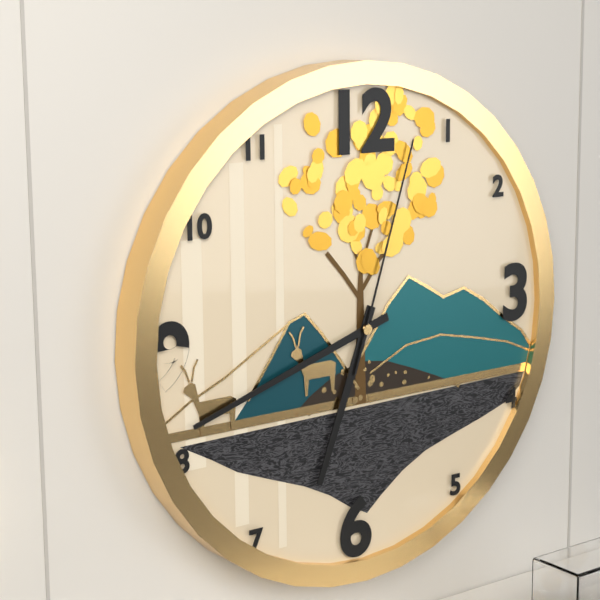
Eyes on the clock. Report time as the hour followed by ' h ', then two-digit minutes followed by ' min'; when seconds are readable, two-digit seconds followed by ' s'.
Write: 6 h 42 min 03 s
